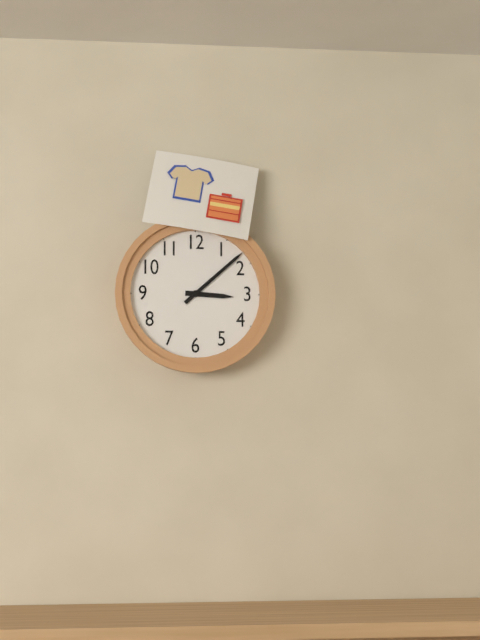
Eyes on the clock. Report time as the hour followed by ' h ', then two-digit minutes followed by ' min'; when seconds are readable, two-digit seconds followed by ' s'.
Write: 3 h 08 min
